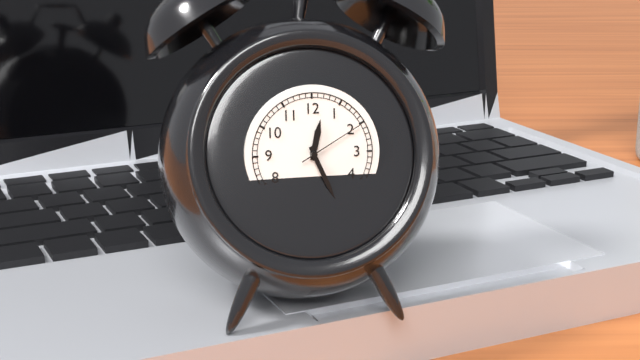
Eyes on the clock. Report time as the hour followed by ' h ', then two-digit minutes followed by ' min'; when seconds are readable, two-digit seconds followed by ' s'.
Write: 12 h 26 min 10 s
